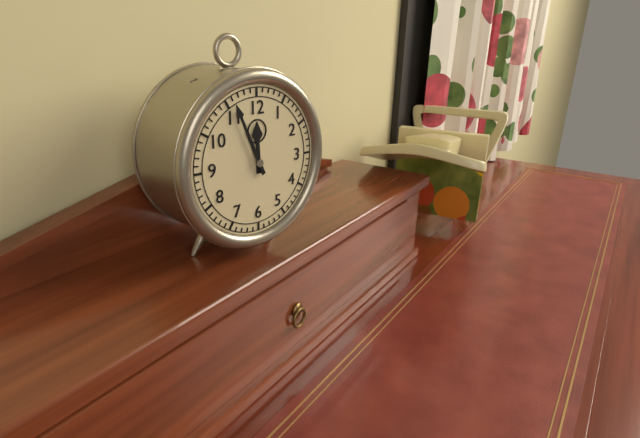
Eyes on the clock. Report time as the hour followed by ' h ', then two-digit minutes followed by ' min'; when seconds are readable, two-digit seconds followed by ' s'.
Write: 11 h 56 min
